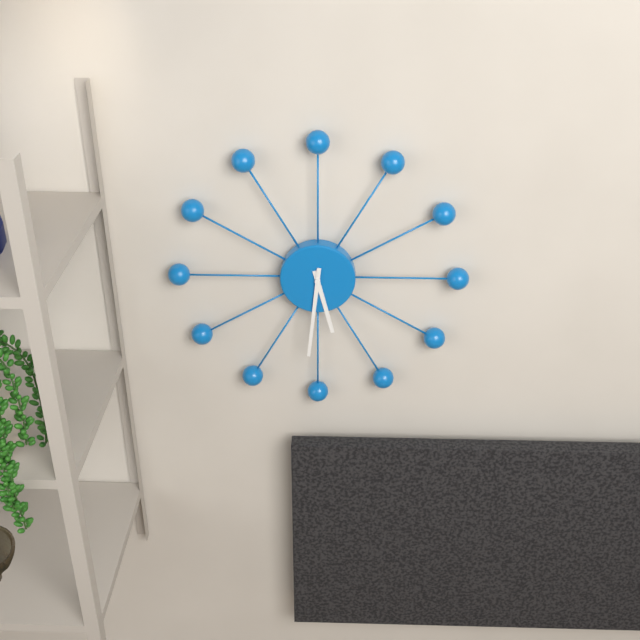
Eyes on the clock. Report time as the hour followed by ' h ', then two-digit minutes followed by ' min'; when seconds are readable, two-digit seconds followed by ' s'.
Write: 5 h 31 min
